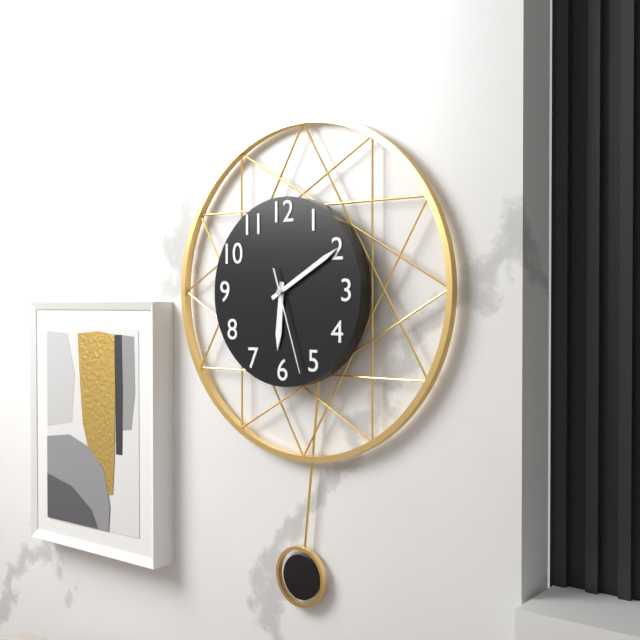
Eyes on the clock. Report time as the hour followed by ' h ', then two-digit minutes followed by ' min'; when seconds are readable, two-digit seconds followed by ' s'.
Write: 6 h 10 min 27 s
